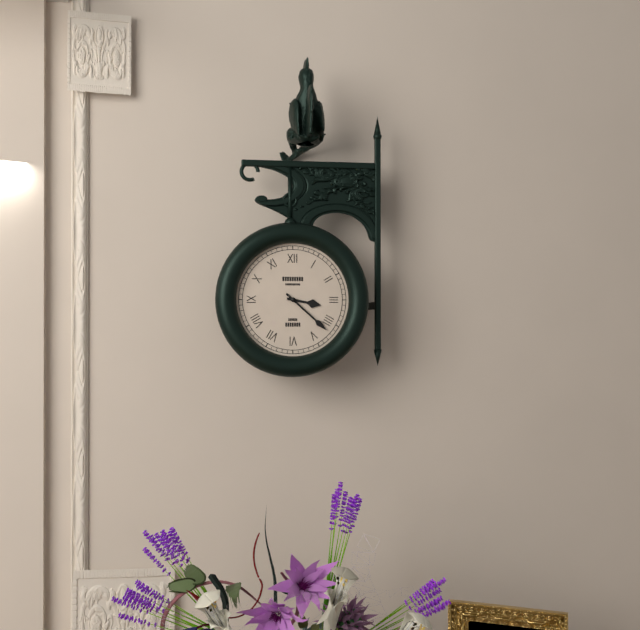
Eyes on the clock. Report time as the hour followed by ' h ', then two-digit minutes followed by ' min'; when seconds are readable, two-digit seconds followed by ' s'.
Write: 3 h 22 min
